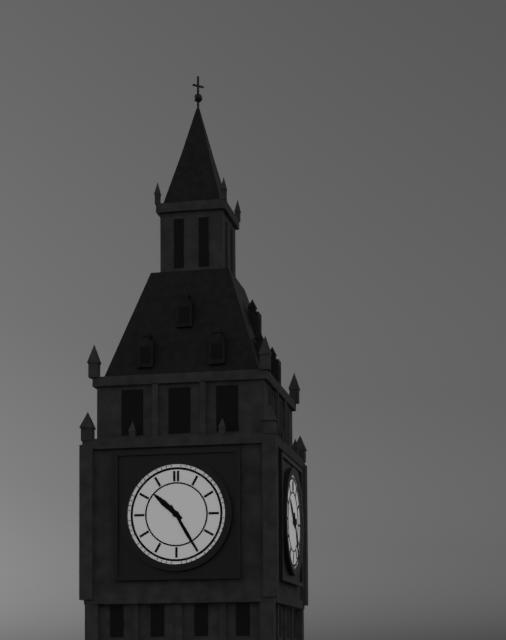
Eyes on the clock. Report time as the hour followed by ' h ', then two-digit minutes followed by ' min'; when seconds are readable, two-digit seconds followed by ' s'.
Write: 10 h 25 min
